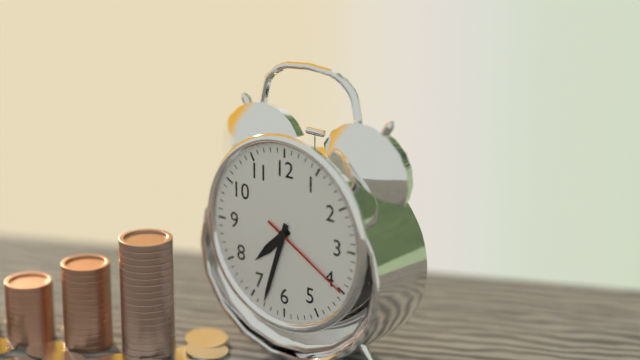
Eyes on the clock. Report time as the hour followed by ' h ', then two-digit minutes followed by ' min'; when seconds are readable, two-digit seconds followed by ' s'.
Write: 7 h 33 min 20 s
